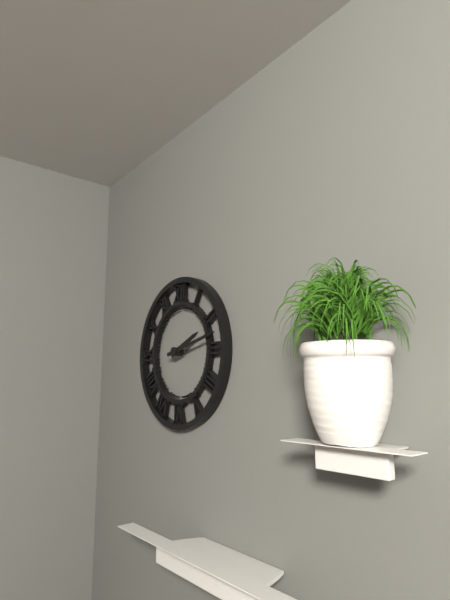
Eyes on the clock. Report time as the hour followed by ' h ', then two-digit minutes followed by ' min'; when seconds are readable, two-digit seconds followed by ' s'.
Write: 2 h 13 min
